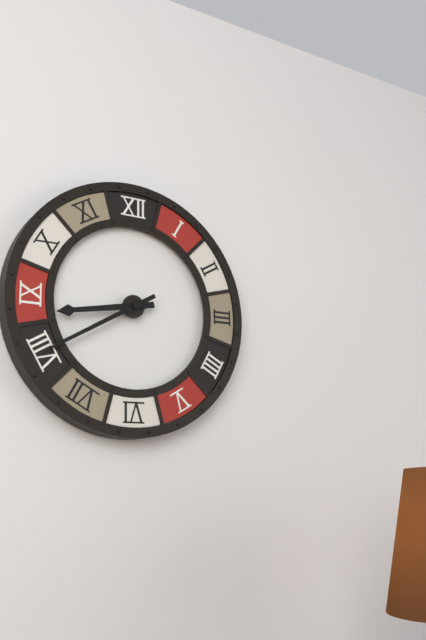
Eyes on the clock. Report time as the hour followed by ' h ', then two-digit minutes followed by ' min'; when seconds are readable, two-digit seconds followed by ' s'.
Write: 8 h 40 min
